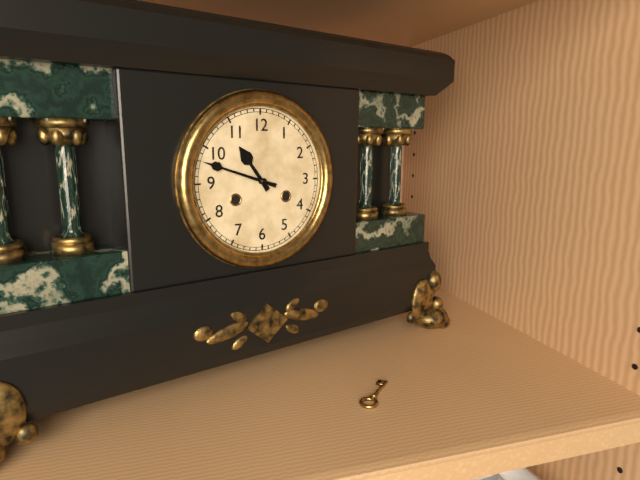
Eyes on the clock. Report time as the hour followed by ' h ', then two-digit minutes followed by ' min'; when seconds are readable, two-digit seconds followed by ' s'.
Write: 10 h 48 min
